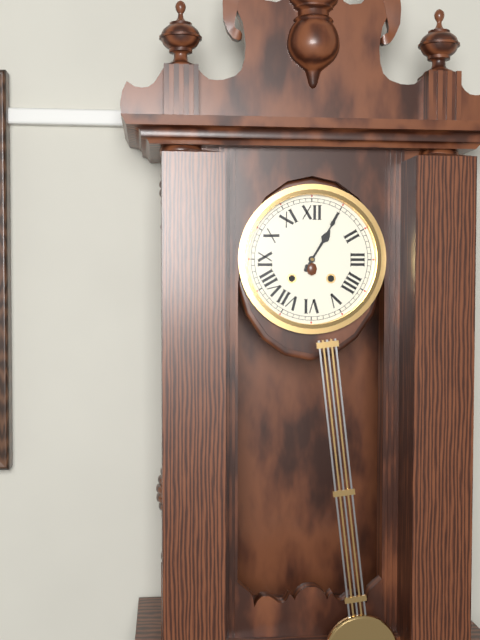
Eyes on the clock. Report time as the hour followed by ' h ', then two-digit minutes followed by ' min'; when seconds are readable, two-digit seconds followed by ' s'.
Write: 1 h 05 min
